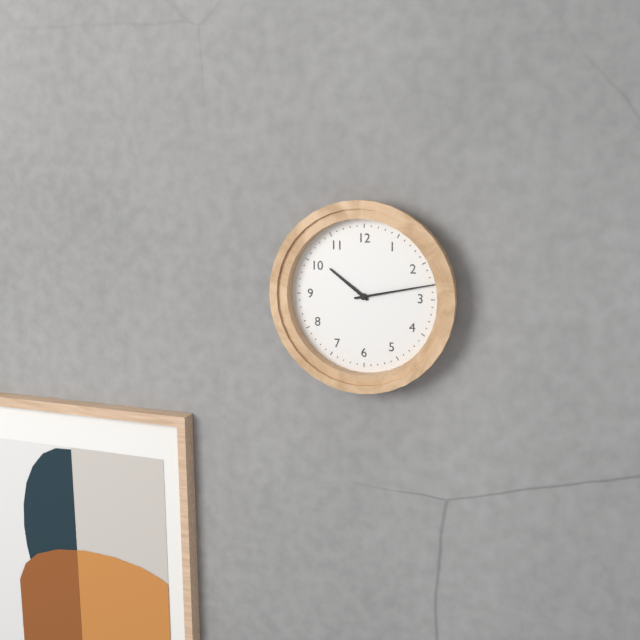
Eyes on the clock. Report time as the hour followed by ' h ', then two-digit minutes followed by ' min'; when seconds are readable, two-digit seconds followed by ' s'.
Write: 10 h 13 min
